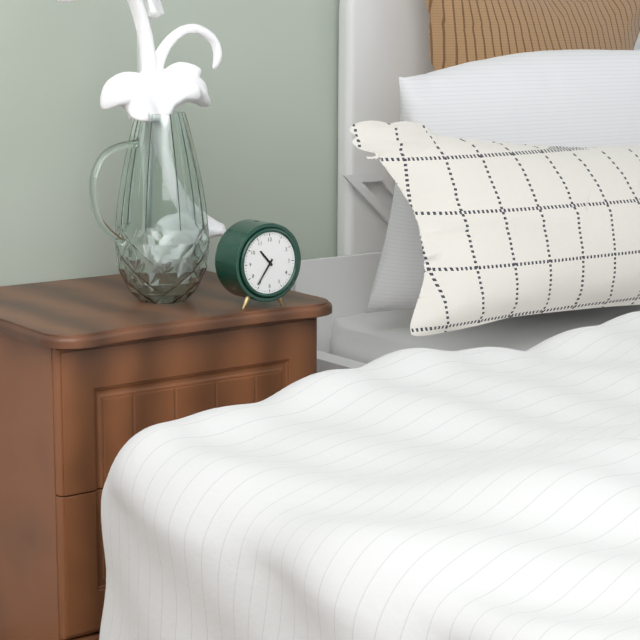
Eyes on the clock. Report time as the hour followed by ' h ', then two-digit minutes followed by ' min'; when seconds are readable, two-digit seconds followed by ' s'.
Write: 10 h 36 min
